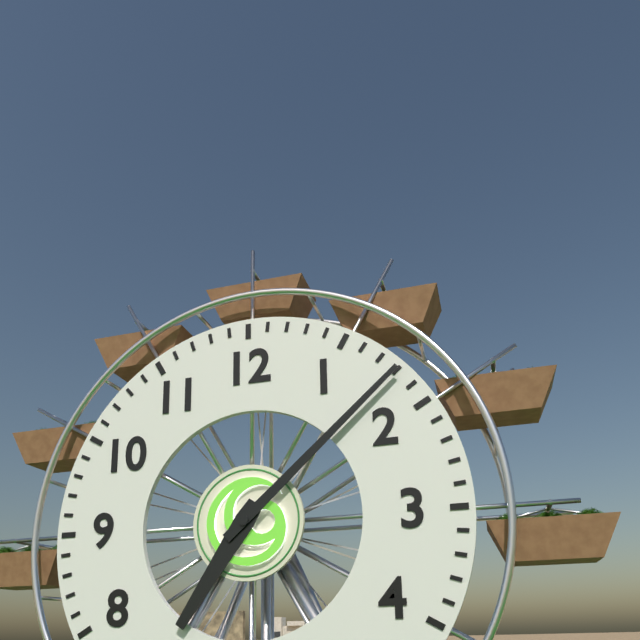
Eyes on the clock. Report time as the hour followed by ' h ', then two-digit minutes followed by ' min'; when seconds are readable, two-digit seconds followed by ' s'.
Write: 7 h 08 min
